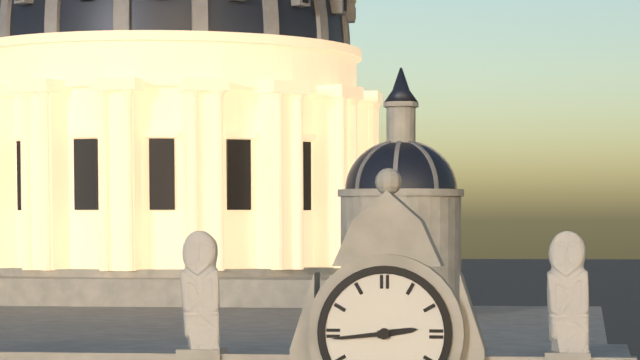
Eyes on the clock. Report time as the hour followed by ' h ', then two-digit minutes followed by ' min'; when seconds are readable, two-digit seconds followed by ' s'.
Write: 2 h 44 min
